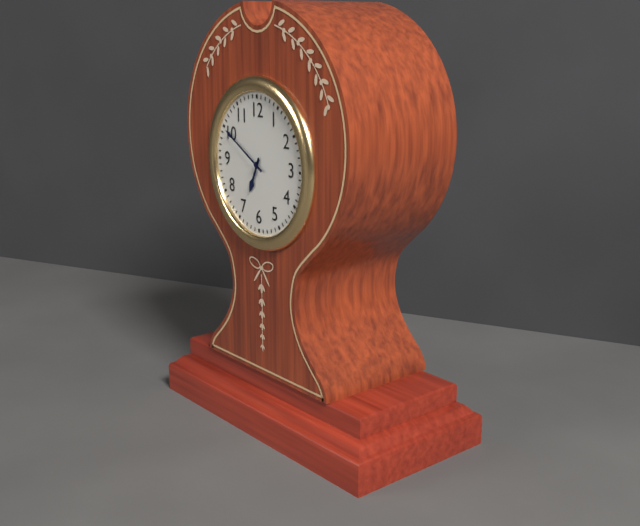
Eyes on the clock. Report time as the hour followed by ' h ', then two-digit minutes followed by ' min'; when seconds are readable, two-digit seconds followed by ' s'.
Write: 6 h 50 min
